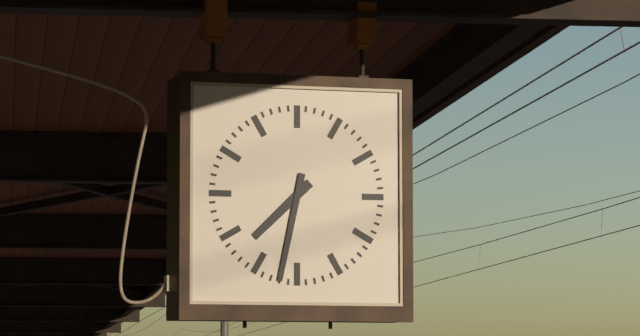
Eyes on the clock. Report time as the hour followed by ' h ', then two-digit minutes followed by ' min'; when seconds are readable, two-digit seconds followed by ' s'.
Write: 7 h 32 min
